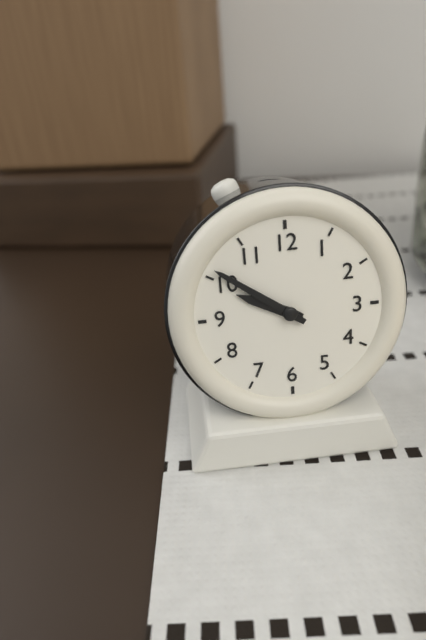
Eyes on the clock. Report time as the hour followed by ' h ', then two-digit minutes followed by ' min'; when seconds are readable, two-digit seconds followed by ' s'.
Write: 9 h 51 min
